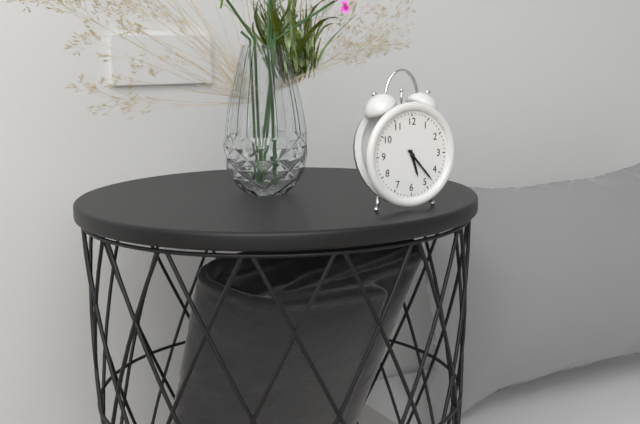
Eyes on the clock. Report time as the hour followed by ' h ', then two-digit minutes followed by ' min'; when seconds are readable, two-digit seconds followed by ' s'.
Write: 5 h 23 min
